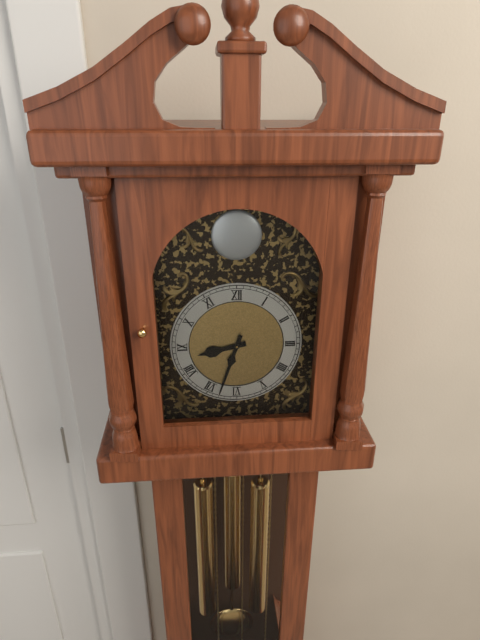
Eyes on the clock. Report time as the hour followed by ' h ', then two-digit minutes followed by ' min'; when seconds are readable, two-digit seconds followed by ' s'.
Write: 8 h 33 min
